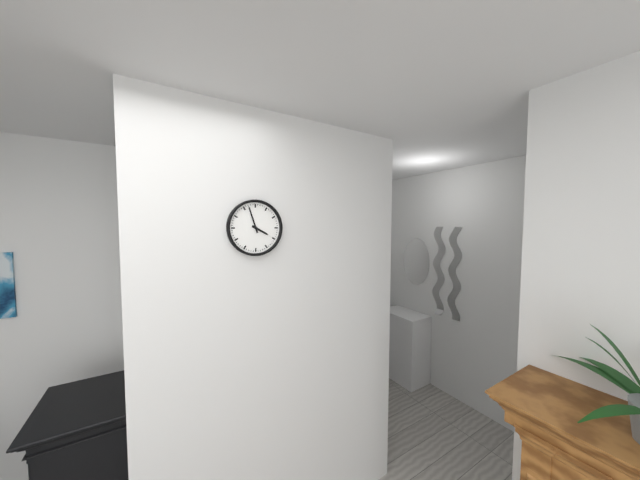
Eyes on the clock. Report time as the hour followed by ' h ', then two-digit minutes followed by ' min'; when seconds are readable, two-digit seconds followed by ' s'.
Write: 3 h 57 min
